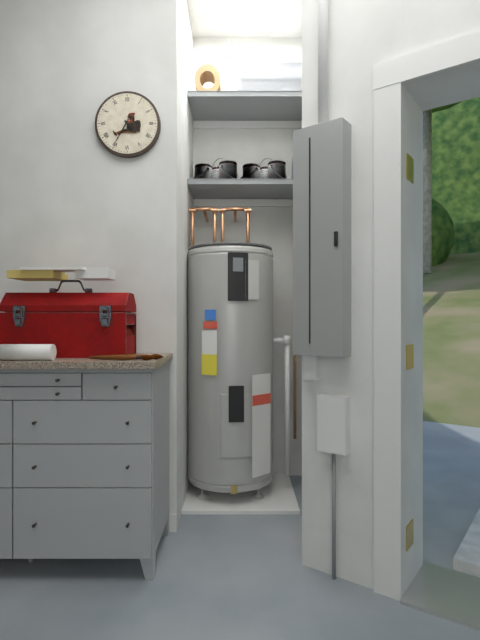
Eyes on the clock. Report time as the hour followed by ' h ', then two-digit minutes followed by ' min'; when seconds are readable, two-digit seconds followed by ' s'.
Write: 4 h 35 min
